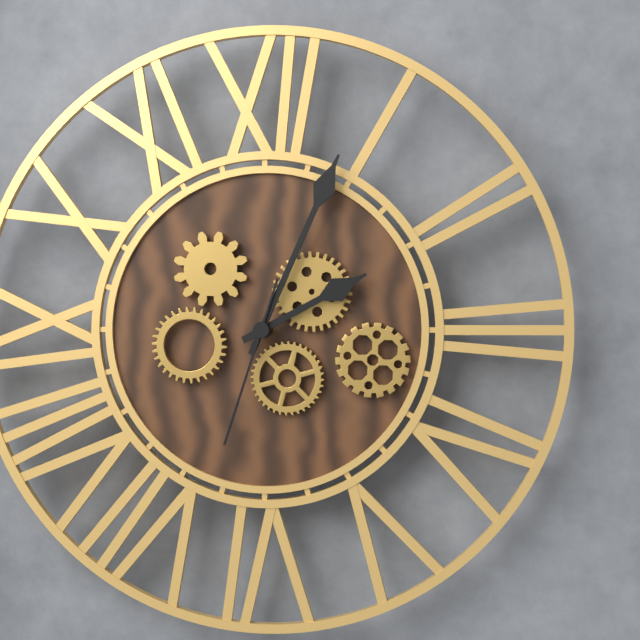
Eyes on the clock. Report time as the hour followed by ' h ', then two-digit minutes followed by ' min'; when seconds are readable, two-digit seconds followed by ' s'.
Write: 2 h 04 min 33 s
